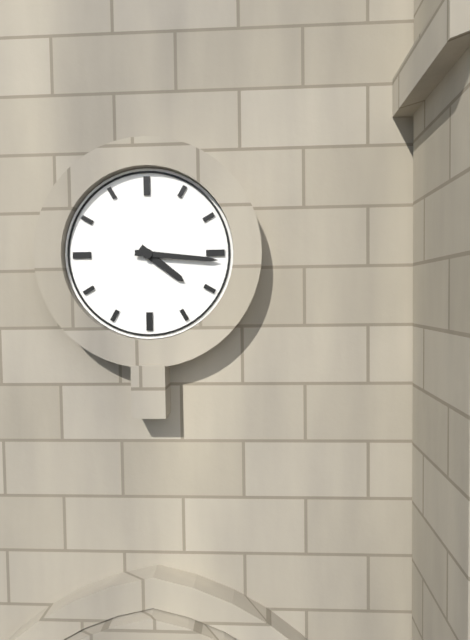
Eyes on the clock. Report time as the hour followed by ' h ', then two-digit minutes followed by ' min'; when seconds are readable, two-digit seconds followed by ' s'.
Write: 4 h 16 min
